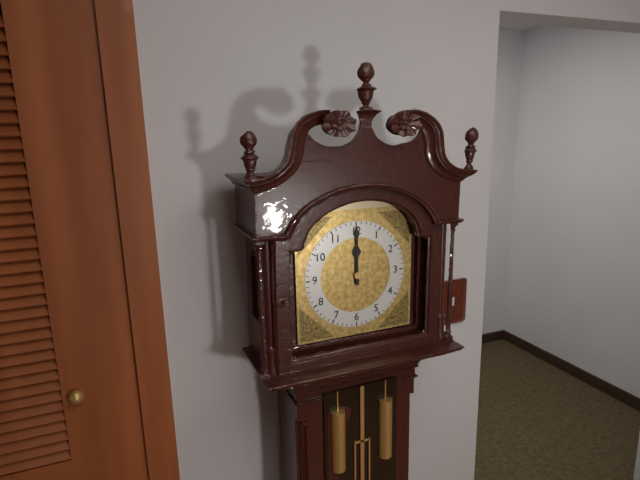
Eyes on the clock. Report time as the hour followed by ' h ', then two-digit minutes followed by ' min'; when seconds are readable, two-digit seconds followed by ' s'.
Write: 12 h 00 min
